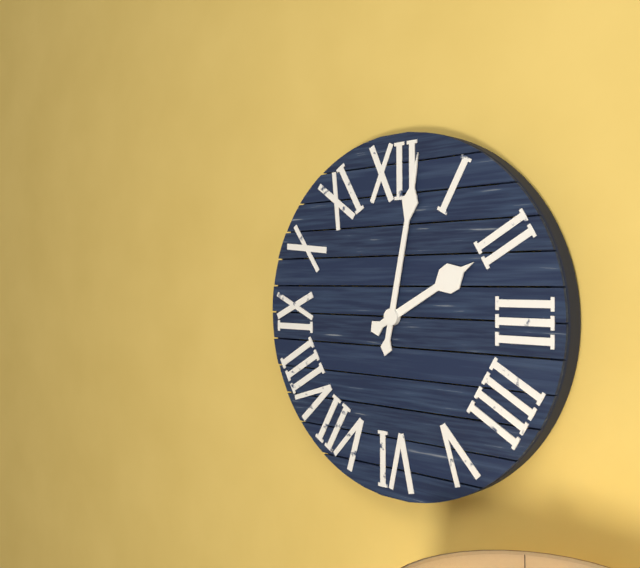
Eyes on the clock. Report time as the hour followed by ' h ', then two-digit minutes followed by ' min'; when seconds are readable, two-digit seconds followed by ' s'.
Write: 2 h 02 min
